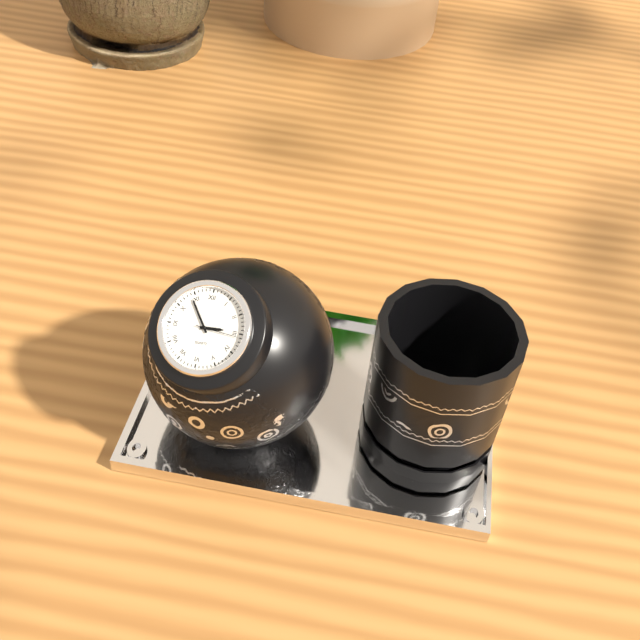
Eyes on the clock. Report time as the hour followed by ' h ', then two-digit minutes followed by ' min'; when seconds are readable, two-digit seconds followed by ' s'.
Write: 2 h 54 min
